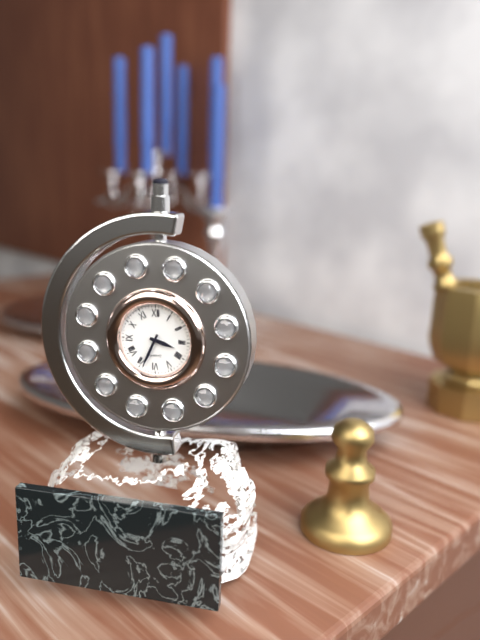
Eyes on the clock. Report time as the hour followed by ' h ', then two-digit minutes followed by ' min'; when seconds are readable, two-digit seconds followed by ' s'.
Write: 3 h 34 min
